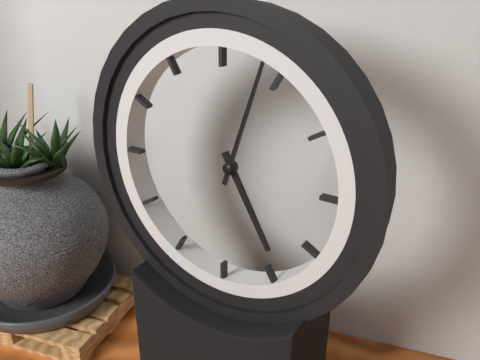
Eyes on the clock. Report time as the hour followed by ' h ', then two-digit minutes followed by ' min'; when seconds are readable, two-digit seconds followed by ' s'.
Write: 5 h 03 min
